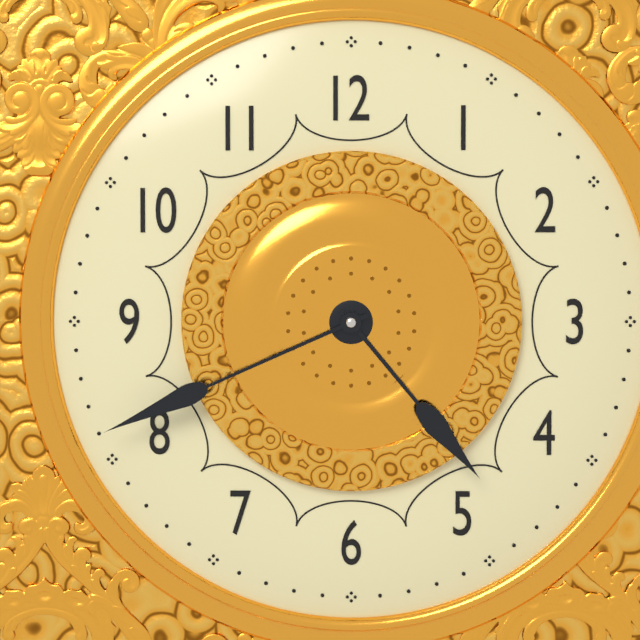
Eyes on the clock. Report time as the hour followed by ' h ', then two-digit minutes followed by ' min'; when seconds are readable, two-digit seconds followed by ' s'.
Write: 4 h 41 min
